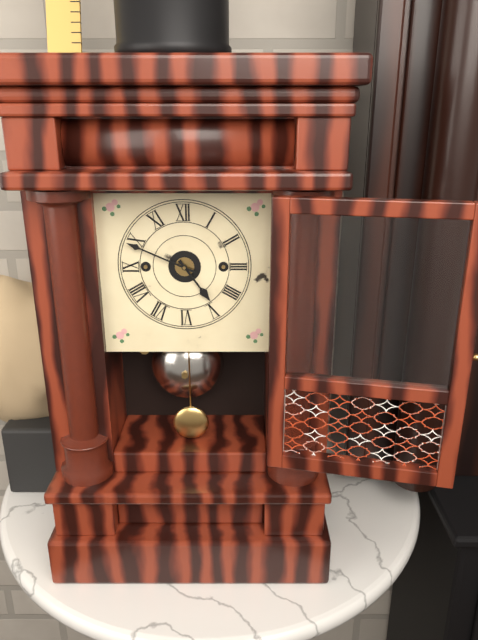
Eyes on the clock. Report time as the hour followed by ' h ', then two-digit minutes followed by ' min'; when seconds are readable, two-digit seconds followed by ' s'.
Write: 4 h 49 min
